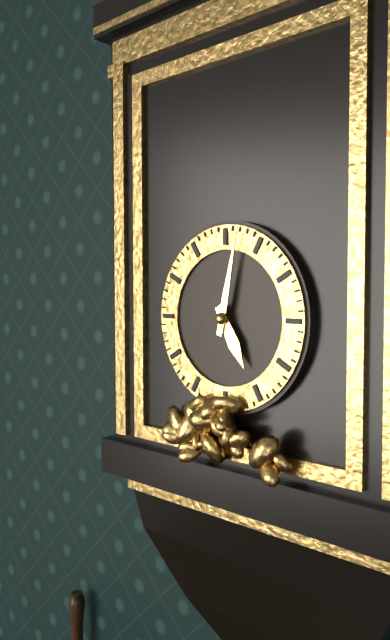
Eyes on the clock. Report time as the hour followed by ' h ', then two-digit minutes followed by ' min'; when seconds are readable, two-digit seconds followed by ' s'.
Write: 5 h 02 min
